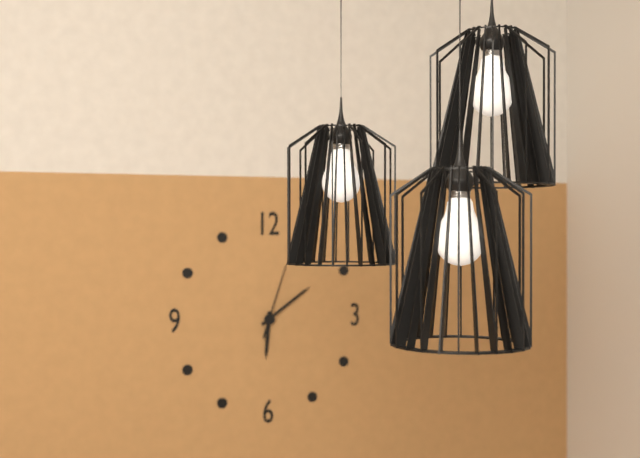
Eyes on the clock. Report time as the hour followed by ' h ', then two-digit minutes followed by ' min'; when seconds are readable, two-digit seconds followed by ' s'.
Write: 6 h 09 min 03 s
